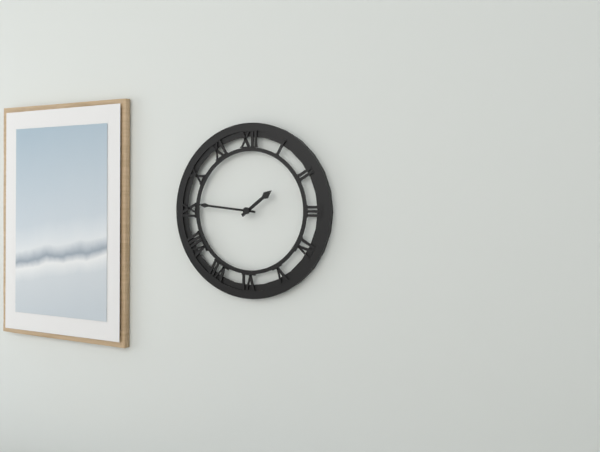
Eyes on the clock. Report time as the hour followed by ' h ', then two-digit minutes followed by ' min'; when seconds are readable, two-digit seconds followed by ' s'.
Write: 1 h 46 min
